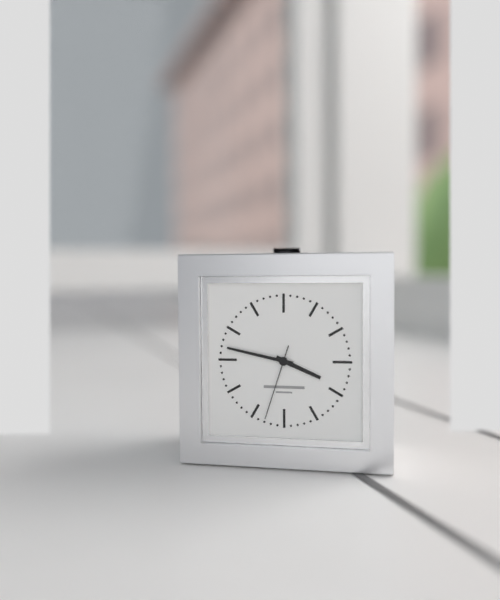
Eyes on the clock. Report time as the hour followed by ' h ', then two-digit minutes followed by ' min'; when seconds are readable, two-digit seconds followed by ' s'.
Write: 3 h 47 min 33 s
